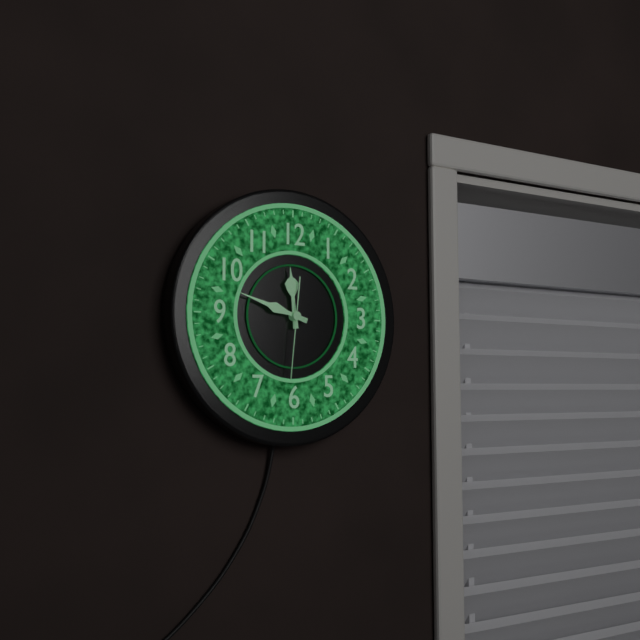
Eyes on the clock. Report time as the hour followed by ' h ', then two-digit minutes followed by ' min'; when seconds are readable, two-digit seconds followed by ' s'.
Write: 11 h 48 min 31 s
